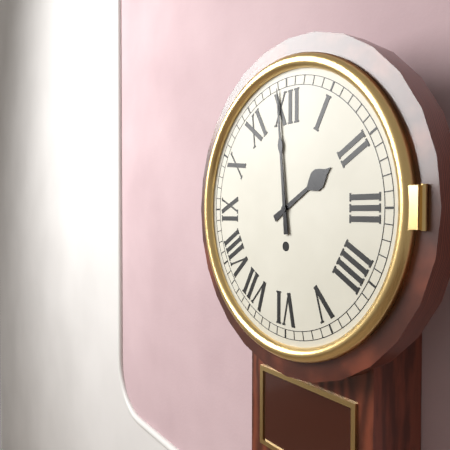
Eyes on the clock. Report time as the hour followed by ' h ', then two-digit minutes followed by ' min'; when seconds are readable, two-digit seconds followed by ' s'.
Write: 1 h 59 min
